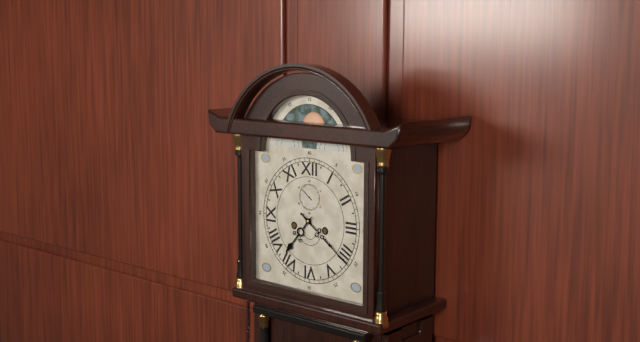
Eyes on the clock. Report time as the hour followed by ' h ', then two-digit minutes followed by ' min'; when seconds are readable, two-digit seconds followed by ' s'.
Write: 7 h 21 min
